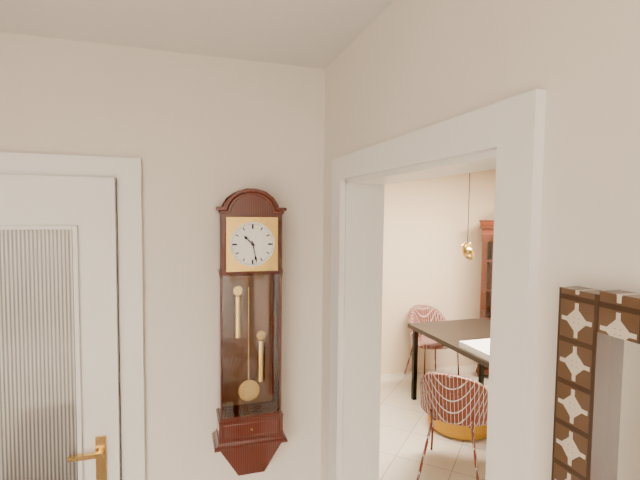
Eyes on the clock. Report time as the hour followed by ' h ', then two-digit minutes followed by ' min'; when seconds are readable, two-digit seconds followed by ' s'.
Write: 10 h 28 min
